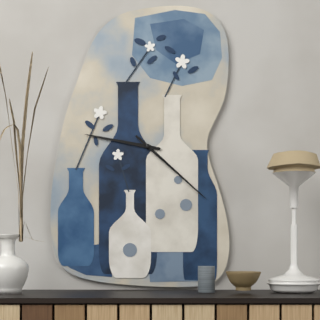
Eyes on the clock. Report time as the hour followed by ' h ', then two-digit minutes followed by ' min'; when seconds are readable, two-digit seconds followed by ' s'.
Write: 9 h 22 min
